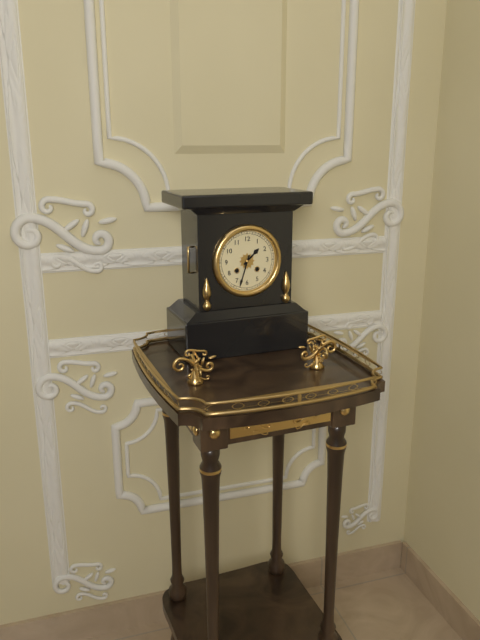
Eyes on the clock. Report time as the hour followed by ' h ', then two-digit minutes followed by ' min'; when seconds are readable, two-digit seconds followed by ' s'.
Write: 1 h 33 min
